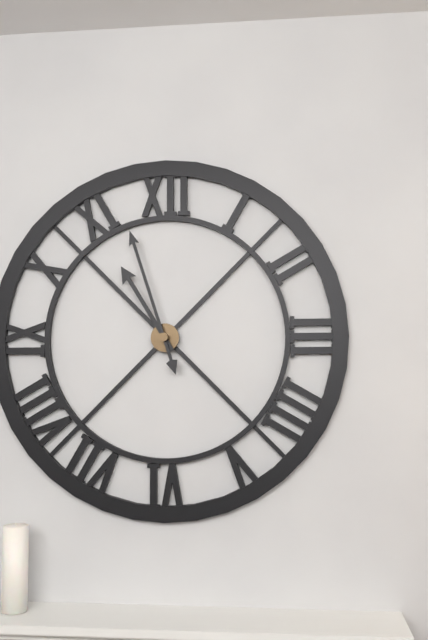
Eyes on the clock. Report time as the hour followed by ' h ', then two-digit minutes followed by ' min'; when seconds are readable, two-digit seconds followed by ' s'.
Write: 10 h 57 min
